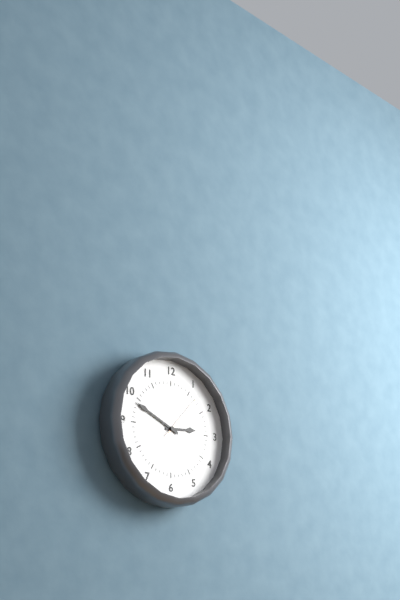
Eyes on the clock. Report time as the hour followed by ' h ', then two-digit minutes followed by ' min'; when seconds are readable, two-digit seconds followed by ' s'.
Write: 2 h 49 min 07 s
